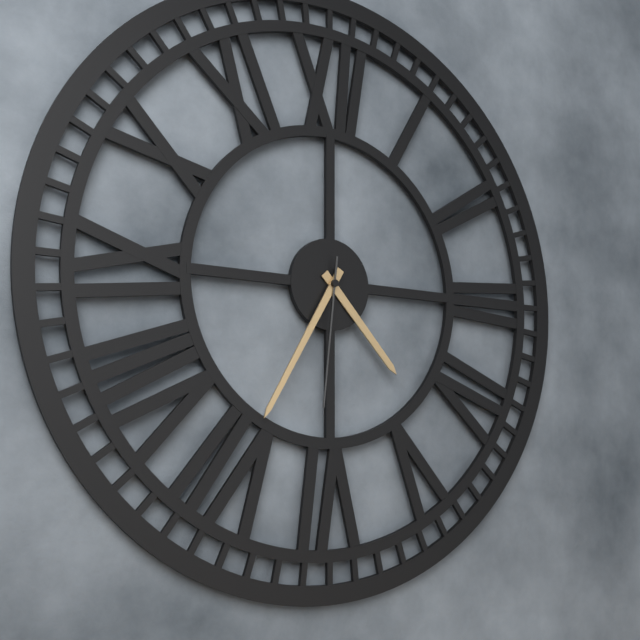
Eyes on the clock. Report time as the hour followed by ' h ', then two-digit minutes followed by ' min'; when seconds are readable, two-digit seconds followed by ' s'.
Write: 4 h 35 min 31 s
